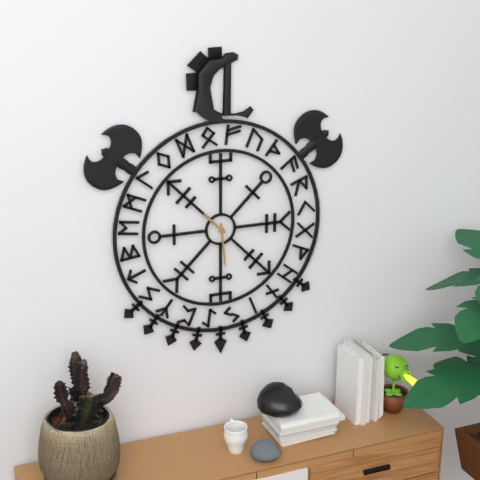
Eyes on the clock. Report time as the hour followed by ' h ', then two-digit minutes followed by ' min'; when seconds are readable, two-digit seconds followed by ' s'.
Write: 10 h 29 min
